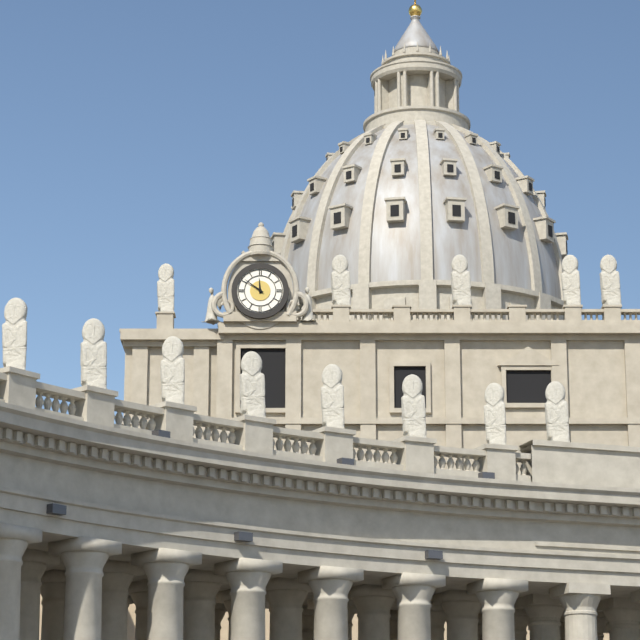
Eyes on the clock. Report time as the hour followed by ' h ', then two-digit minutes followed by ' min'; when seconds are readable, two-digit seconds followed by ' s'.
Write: 11 h 51 min
